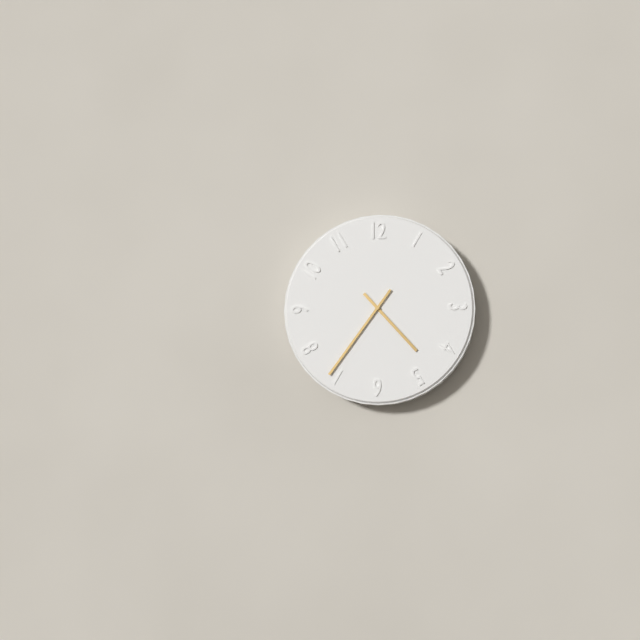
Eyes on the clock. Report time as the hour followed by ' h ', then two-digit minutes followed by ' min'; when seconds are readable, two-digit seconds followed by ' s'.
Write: 4 h 36 min
